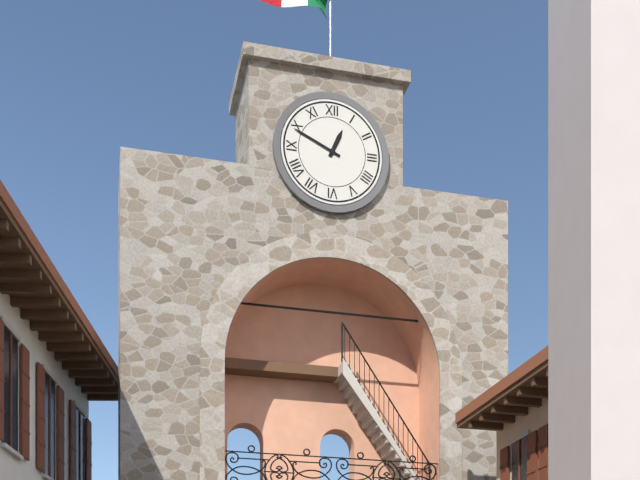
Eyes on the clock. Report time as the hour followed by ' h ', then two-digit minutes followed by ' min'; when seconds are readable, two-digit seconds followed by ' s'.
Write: 12 h 49 min
